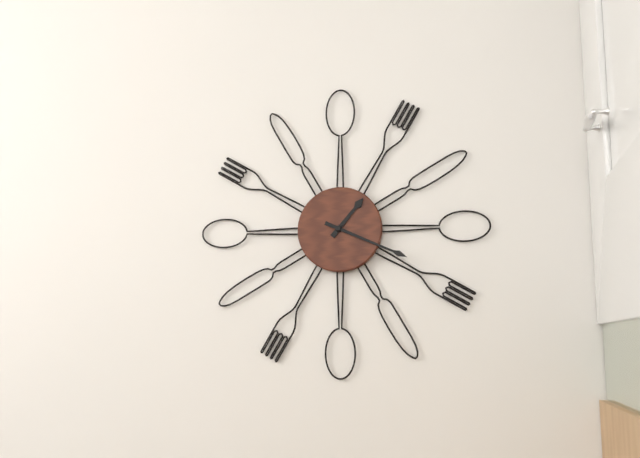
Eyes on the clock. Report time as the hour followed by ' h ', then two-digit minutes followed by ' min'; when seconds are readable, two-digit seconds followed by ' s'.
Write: 1 h 19 min
